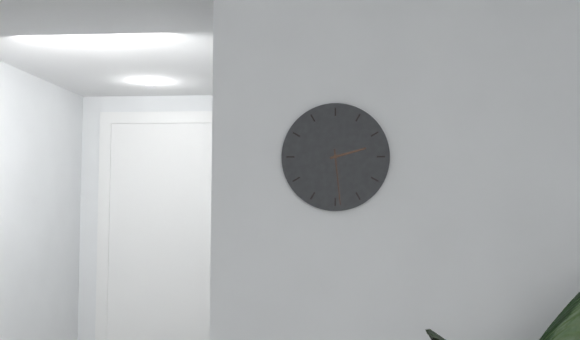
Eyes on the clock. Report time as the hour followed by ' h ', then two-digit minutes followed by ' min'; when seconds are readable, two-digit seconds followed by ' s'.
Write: 2 h 29 min
